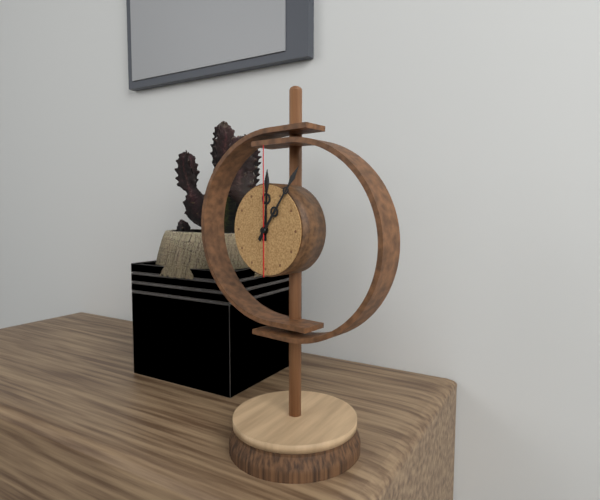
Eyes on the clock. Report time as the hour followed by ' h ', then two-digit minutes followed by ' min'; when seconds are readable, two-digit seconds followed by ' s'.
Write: 12 h 06 min 00 s
